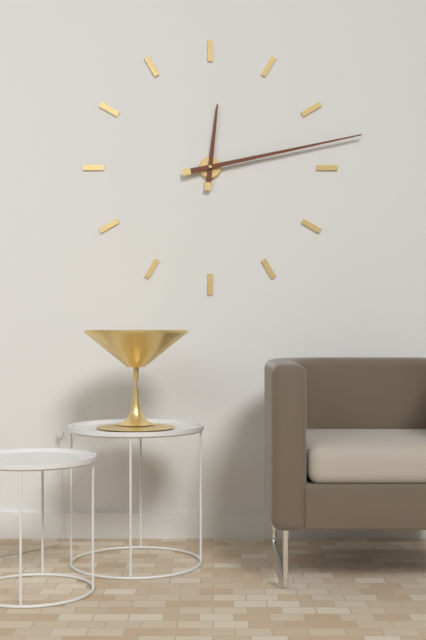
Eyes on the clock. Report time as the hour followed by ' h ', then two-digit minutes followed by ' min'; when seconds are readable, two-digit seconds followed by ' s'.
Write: 12 h 13 min
